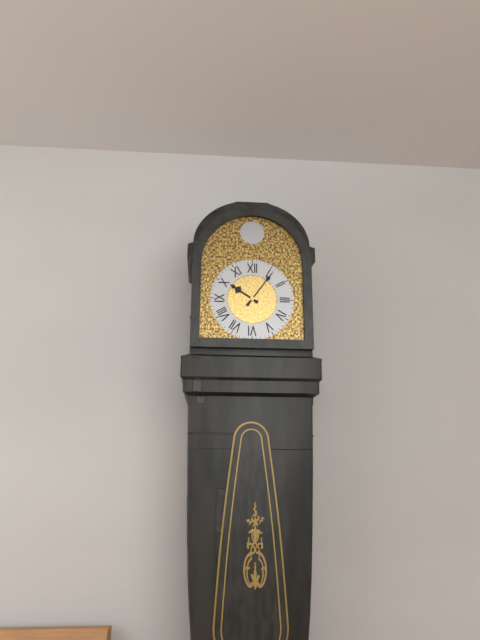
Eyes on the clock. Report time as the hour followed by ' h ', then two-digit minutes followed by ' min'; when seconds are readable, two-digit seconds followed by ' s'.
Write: 10 h 06 min
